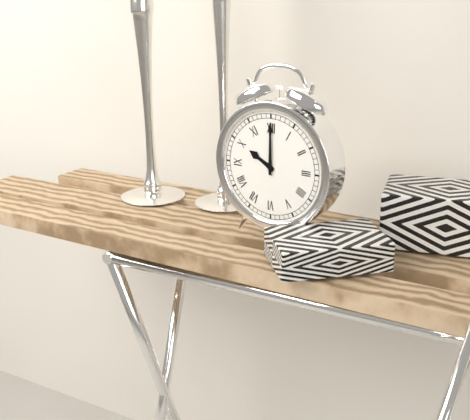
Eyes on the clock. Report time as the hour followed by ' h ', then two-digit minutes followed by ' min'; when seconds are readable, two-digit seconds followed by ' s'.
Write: 10 h 00 min
